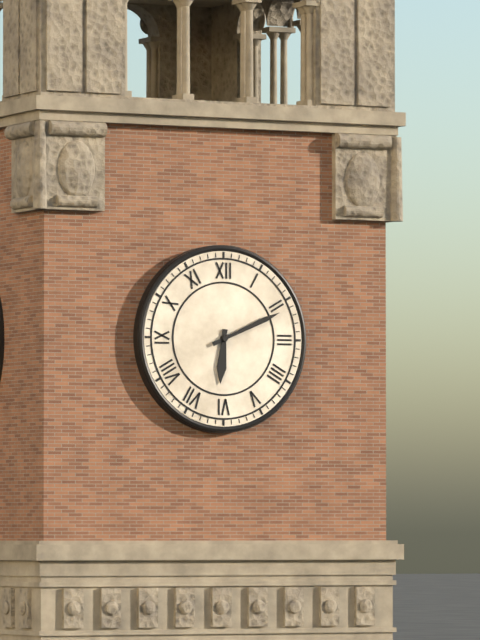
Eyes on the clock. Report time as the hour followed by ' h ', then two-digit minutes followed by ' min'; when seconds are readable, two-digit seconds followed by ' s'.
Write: 6 h 11 min
